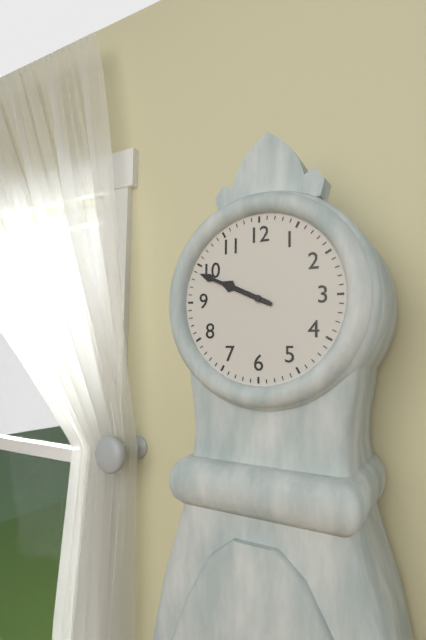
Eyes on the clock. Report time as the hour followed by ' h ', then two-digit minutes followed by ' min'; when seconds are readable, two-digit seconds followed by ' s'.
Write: 9 h 49 min
